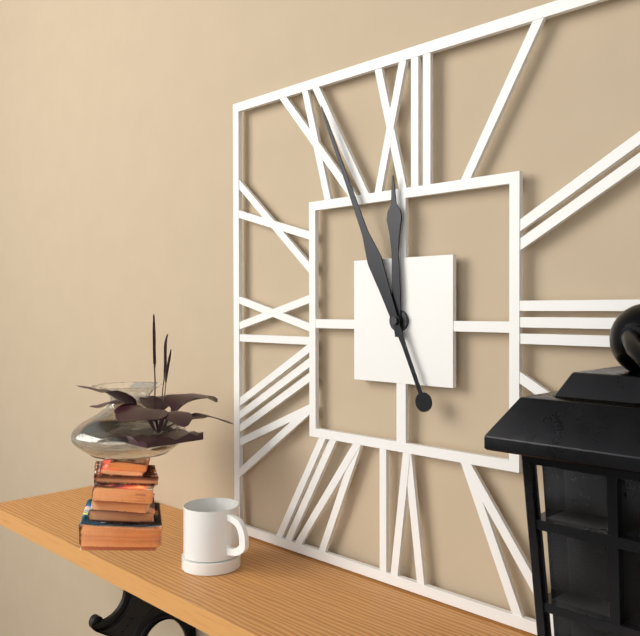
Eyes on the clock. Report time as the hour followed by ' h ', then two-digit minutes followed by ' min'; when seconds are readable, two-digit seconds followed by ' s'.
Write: 11 h 56 min
